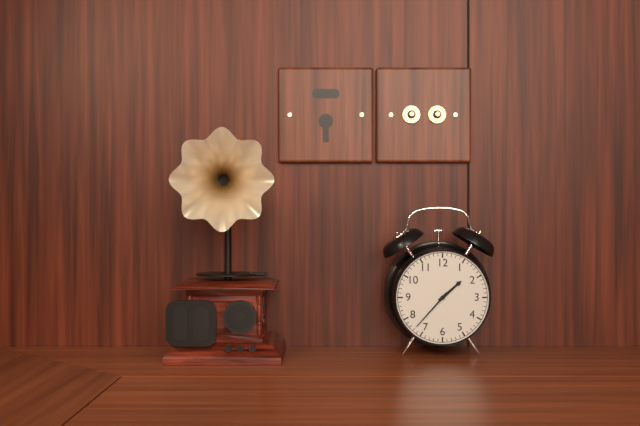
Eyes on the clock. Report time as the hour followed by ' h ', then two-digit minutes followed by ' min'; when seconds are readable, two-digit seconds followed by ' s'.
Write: 1 h 37 min
